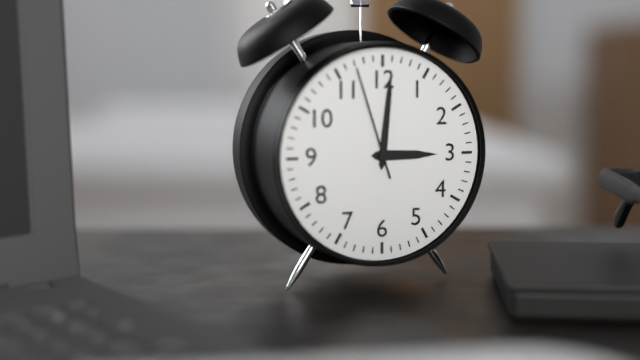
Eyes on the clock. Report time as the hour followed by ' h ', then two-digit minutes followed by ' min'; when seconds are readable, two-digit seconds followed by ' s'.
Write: 3 h 01 min 57 s
